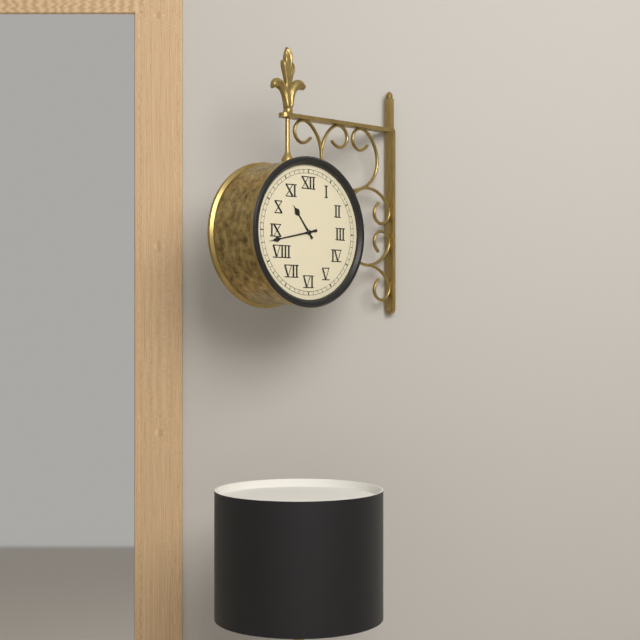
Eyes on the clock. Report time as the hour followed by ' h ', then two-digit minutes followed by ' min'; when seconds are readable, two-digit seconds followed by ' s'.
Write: 10 h 43 min
